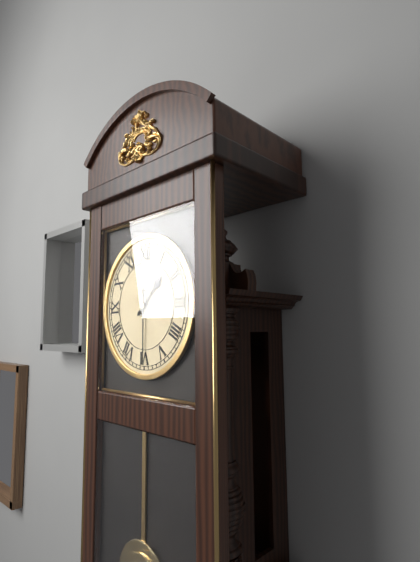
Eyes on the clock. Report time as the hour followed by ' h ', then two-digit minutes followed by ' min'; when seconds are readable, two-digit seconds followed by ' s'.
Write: 1 h 30 min
